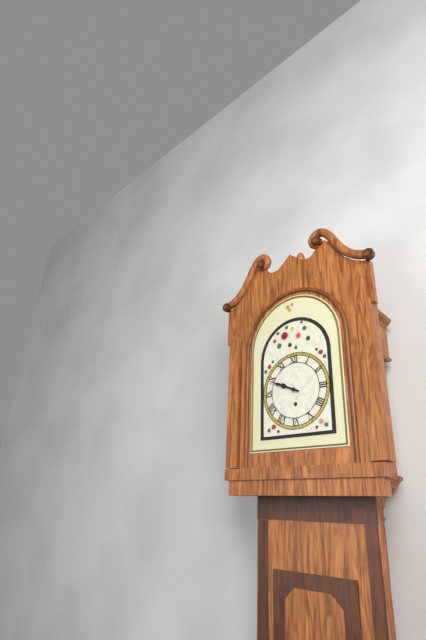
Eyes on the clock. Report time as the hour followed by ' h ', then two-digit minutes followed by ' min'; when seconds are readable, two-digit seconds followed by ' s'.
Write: 9 h 49 min
